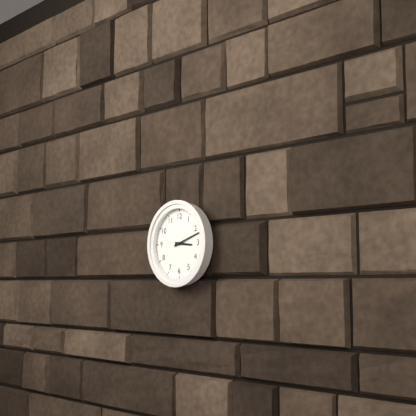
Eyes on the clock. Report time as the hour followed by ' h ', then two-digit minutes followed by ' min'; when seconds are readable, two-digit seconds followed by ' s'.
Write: 3 h 12 min
